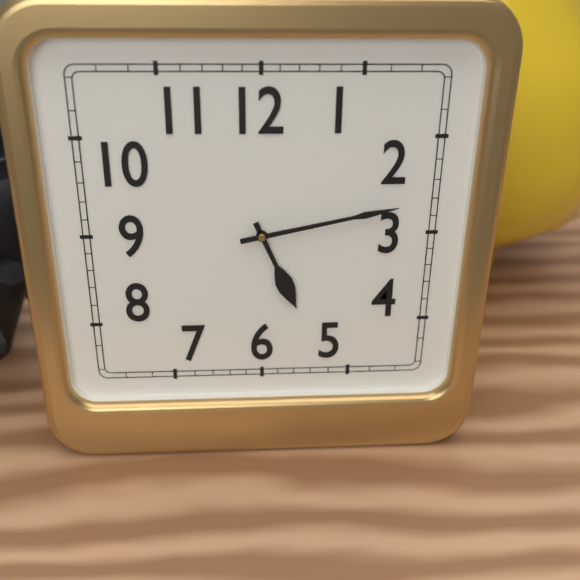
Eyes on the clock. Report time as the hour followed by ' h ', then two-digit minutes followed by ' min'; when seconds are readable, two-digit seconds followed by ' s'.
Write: 5 h 13 min
